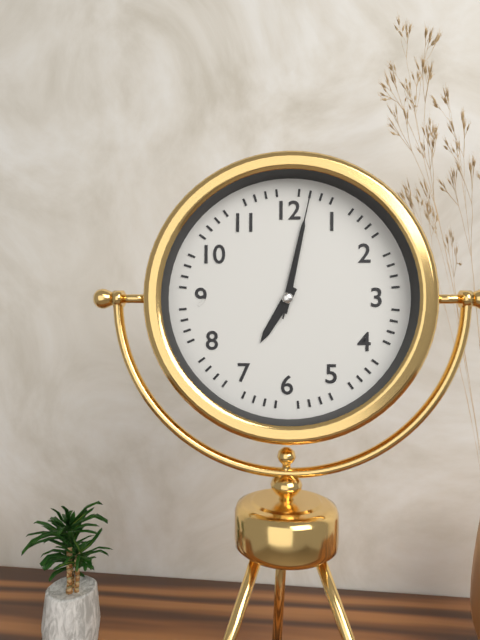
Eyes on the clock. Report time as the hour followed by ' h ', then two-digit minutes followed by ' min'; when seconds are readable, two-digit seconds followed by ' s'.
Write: 7 h 02 min 02 s
